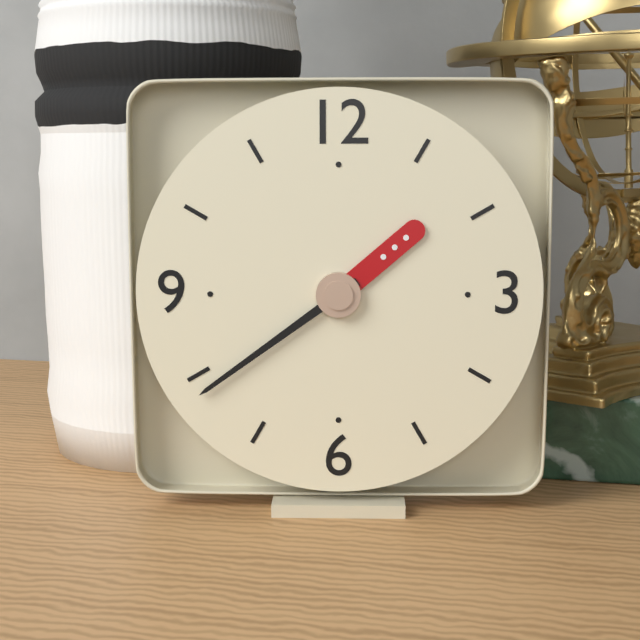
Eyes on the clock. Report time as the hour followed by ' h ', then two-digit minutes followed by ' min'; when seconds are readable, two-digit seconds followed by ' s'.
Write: 1 h 39 min
